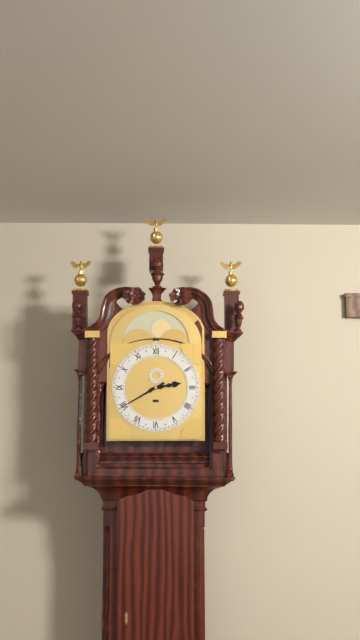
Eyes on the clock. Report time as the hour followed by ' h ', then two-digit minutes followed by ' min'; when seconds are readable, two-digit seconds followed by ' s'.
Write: 2 h 40 min
